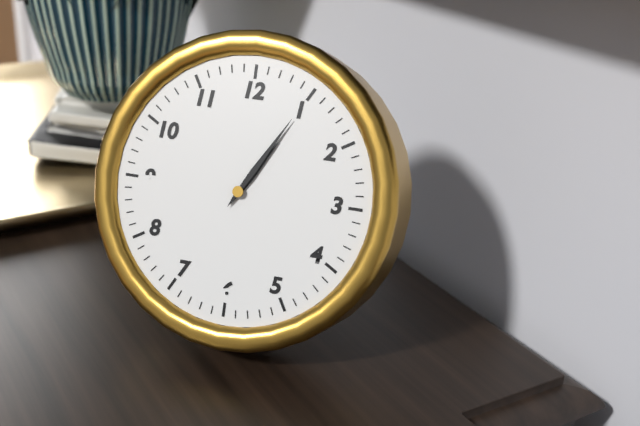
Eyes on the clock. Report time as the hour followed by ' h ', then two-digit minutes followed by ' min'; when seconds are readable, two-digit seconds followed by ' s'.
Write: 1 h 05 min
